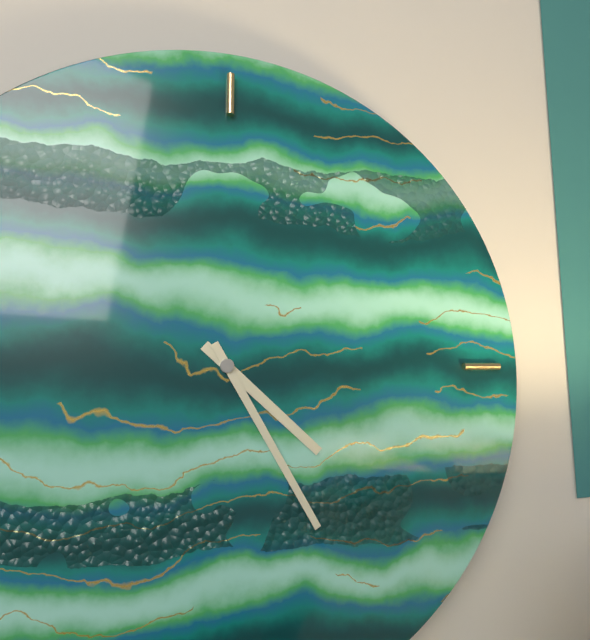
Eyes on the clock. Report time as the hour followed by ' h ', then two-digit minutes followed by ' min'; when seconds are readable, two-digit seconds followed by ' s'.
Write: 4 h 25 min
